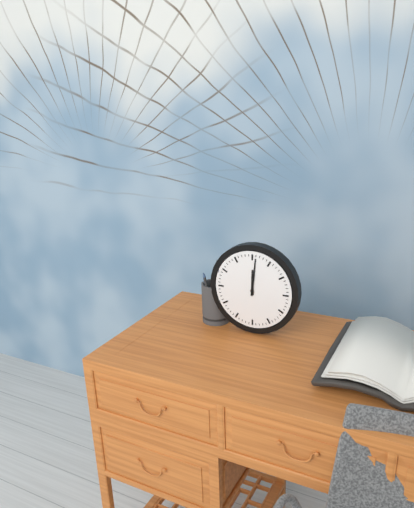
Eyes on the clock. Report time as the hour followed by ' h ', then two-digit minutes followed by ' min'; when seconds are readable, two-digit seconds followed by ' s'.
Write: 12 h 01 min
